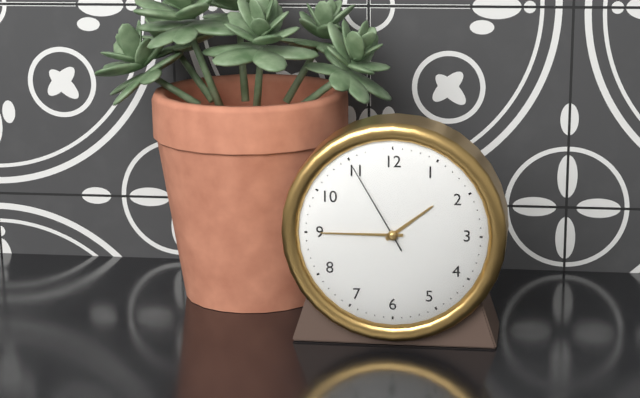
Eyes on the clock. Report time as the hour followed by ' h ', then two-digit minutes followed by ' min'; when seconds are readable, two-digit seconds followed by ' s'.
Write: 1 h 45 min 55 s
